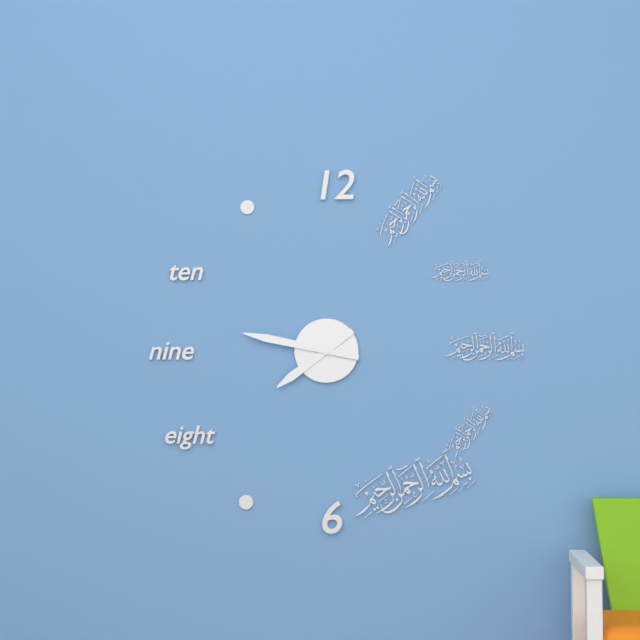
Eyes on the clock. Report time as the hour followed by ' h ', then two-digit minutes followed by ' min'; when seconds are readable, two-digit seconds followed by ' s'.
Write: 7 h 47 min
